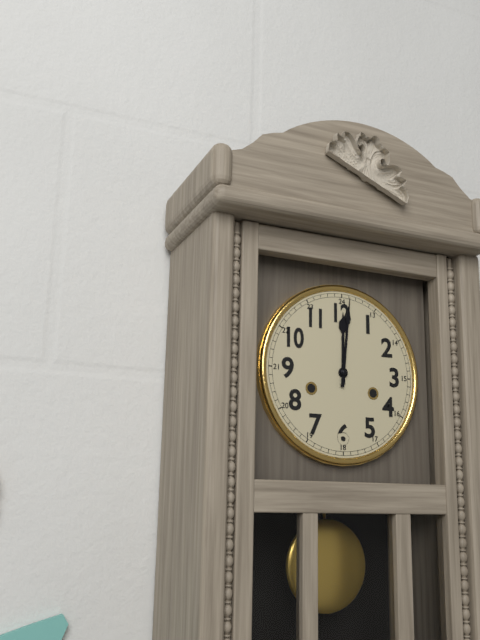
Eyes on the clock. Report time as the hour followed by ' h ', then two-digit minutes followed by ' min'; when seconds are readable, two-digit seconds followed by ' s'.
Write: 12 h 01 min
